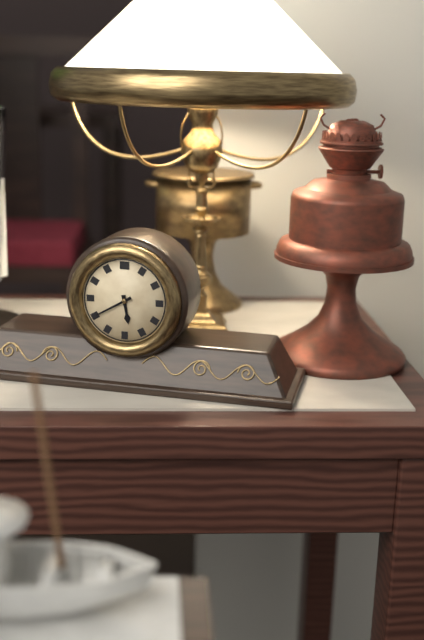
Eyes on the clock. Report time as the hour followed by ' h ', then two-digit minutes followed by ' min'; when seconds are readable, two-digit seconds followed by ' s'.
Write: 5 h 40 min
